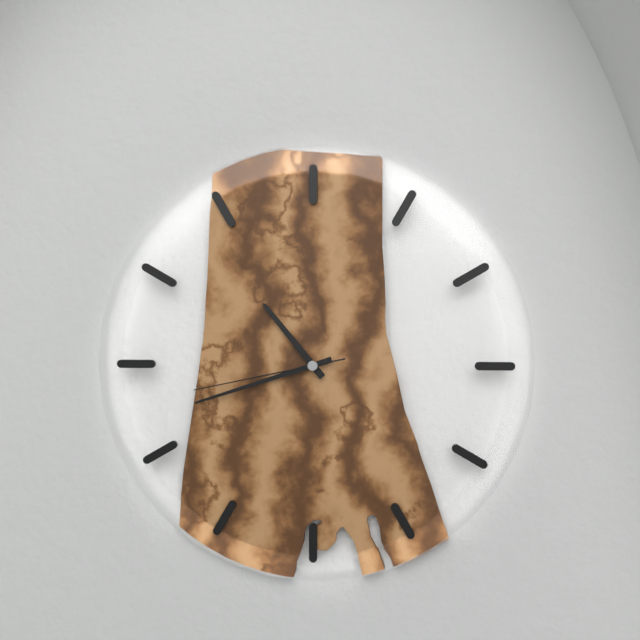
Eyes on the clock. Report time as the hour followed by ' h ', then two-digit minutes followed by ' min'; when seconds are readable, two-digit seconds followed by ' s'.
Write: 10 h 42 min 43 s
